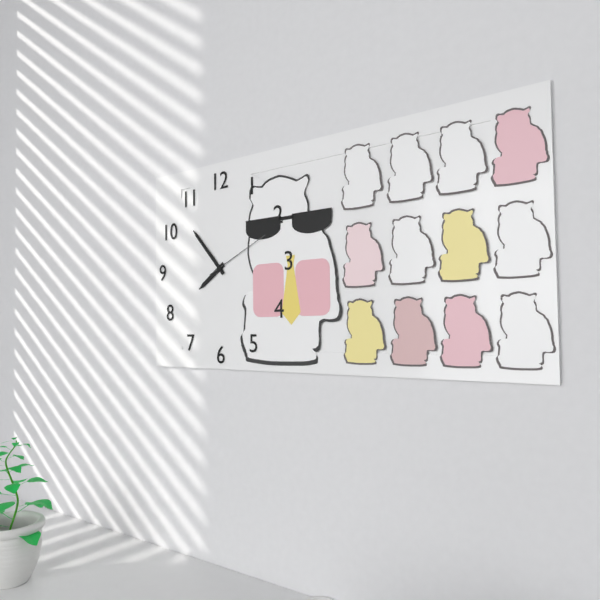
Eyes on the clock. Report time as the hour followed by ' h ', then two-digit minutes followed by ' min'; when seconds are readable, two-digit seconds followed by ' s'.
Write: 7 h 53 min 11 s
